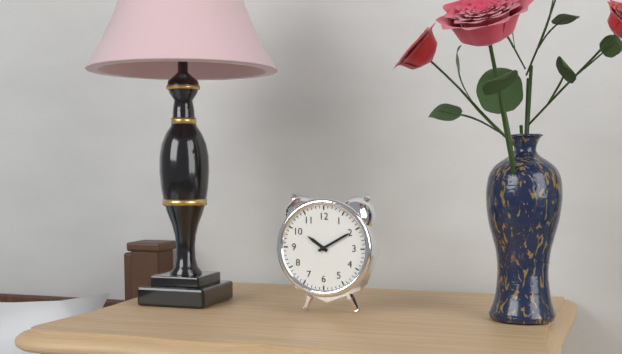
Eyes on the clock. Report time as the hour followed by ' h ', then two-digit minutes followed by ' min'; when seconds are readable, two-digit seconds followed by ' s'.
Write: 10 h 10 min
